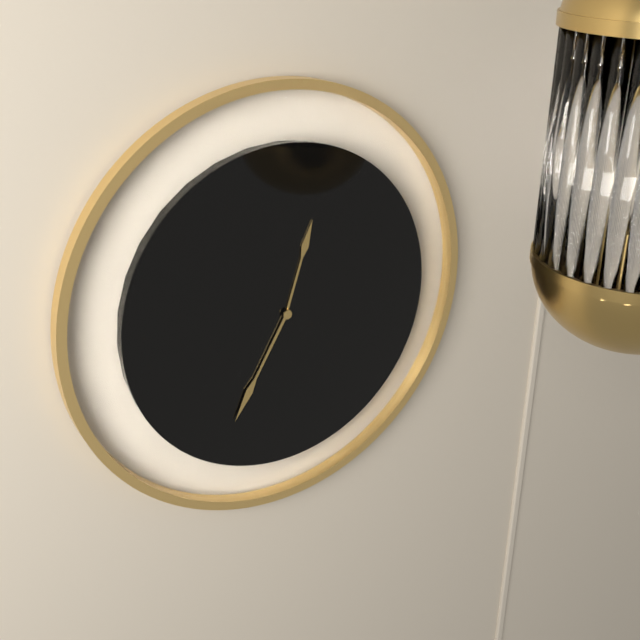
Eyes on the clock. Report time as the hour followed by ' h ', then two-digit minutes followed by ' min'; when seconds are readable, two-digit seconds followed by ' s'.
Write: 12 h 35 min
